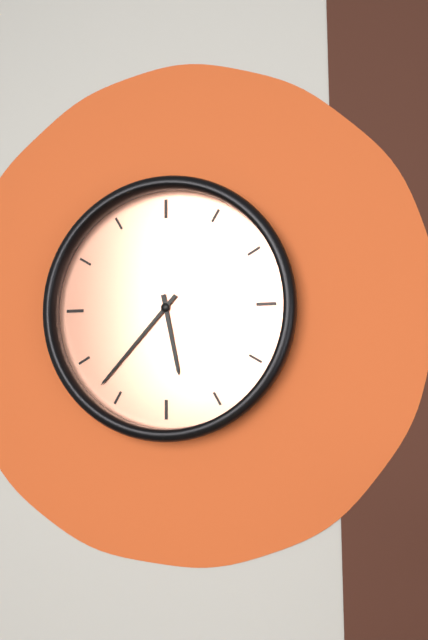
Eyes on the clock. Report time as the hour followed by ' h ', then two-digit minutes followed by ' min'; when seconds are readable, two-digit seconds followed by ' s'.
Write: 5 h 37 min
